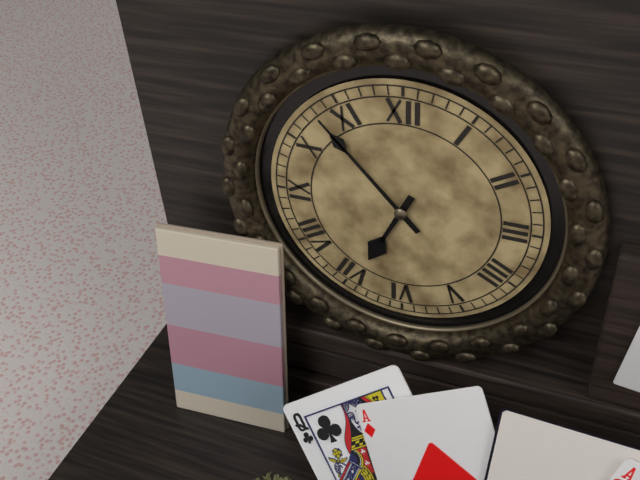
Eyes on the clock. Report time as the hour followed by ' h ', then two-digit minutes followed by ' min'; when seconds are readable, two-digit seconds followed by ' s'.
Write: 6 h 53 min
